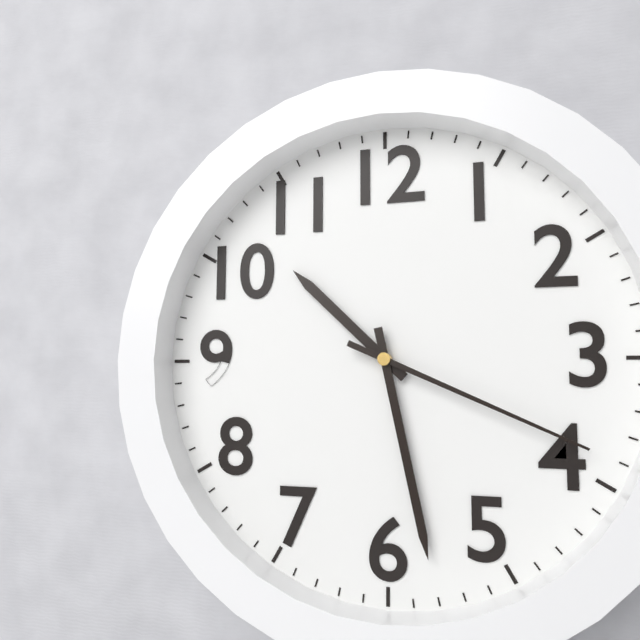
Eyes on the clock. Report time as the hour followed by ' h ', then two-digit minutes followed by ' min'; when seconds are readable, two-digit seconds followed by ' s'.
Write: 10 h 28 min 19 s
